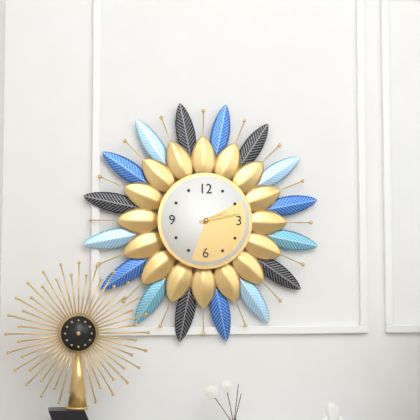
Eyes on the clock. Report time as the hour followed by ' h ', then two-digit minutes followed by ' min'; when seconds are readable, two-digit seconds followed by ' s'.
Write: 2 h 13 min
